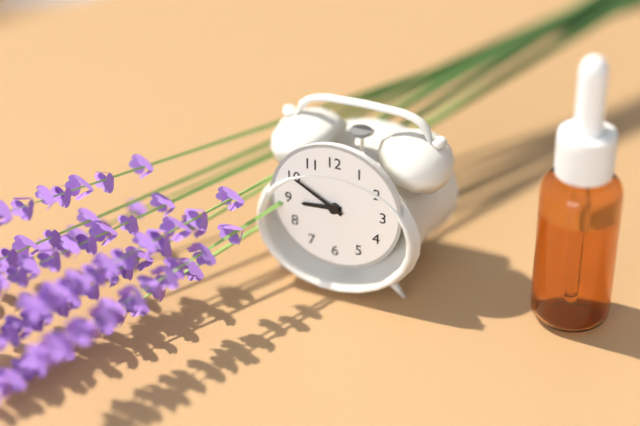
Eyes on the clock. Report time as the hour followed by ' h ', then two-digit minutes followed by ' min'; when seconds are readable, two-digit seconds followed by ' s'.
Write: 8 h 50 min
